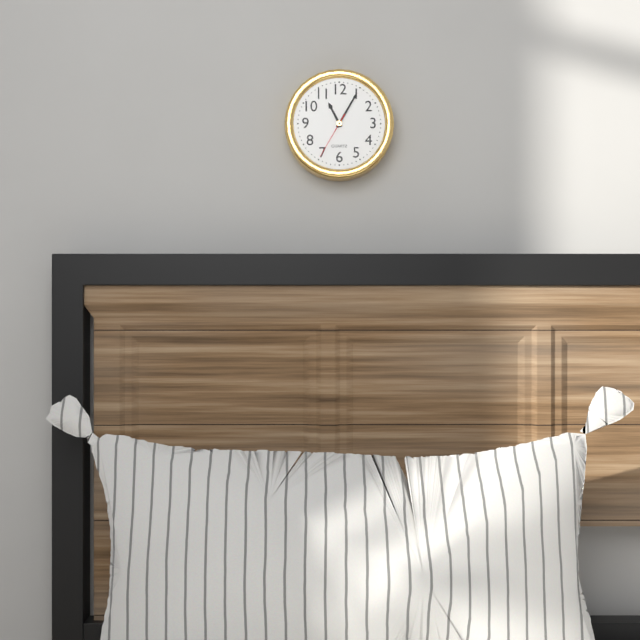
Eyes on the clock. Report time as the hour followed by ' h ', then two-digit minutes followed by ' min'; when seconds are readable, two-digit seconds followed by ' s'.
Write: 11 h 05 min
